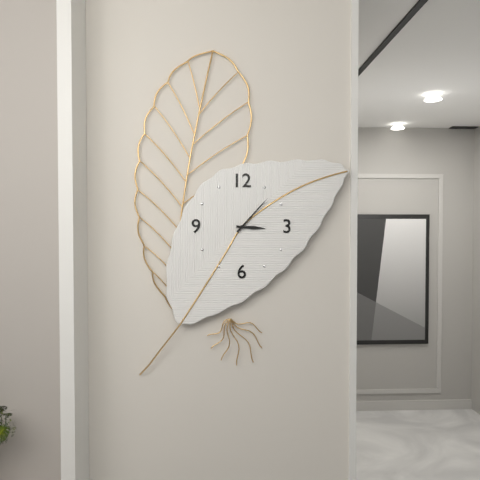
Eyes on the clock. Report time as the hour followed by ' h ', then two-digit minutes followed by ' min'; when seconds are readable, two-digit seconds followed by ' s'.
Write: 3 h 07 min
